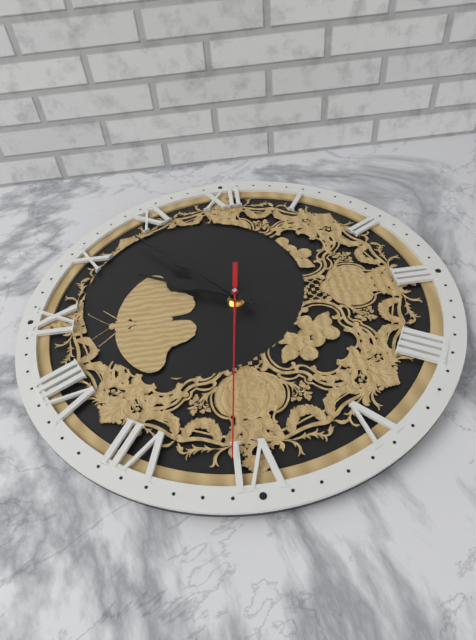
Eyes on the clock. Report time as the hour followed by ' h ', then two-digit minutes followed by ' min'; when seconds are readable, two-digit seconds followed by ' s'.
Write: 9 h 53 min 31 s
